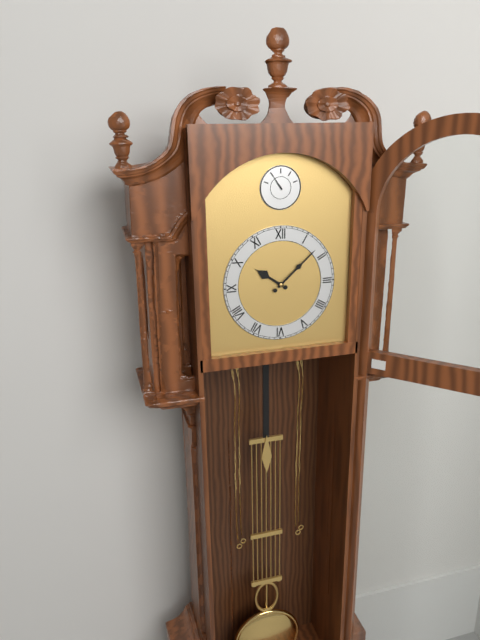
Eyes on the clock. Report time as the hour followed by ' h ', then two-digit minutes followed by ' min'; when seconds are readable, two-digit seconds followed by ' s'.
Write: 10 h 08 min
